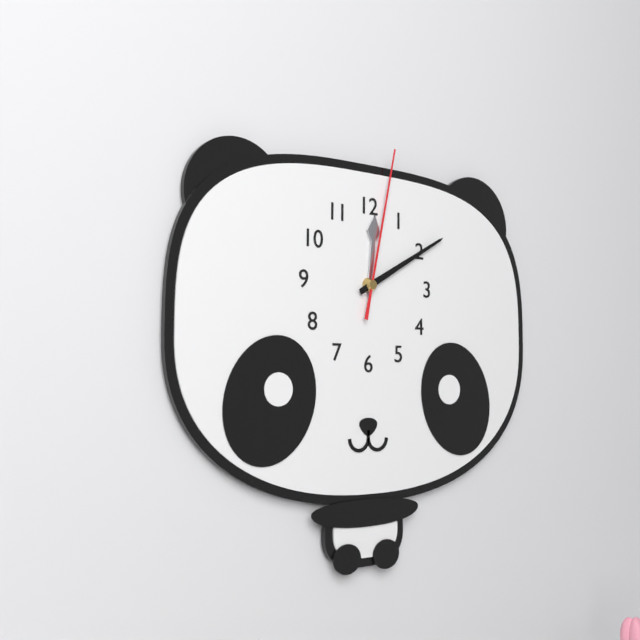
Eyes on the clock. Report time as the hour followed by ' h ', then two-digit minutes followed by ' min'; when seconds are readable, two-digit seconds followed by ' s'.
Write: 12 h 10 min 02 s
